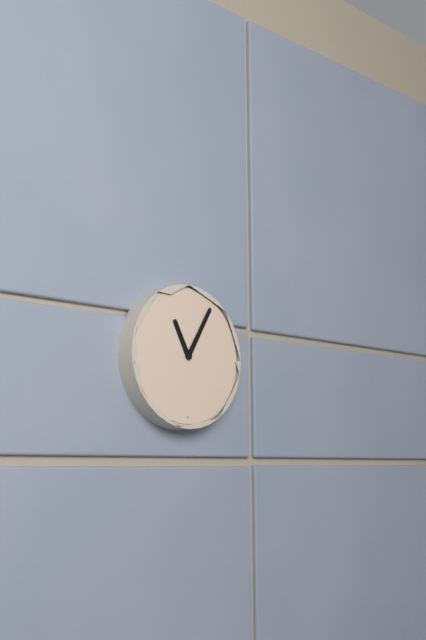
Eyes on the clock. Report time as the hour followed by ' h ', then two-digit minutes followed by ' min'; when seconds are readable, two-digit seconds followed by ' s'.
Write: 11 h 05 min
